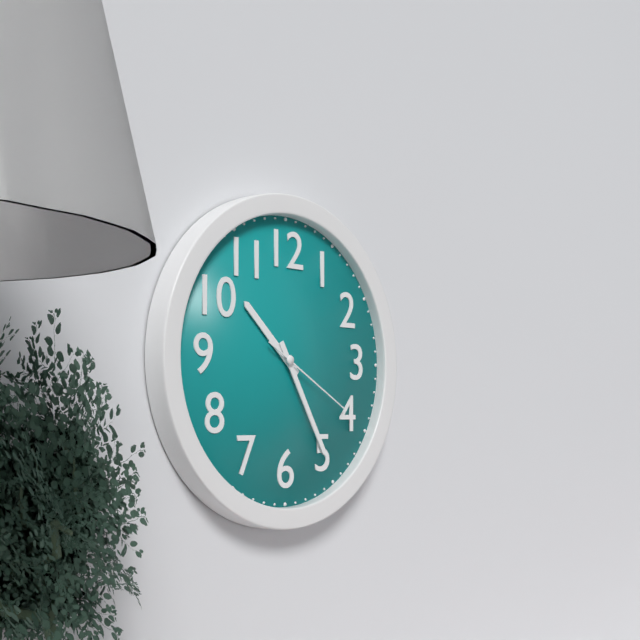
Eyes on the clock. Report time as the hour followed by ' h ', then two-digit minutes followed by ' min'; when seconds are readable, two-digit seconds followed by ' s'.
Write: 10 h 25 min 20 s
